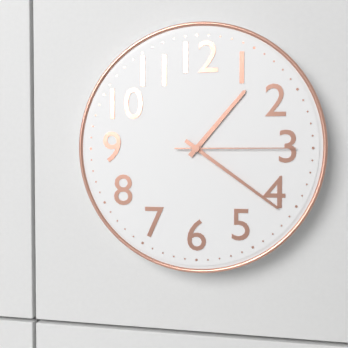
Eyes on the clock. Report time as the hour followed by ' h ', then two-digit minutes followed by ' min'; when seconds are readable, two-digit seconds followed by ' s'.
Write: 1 h 21 min 15 s
